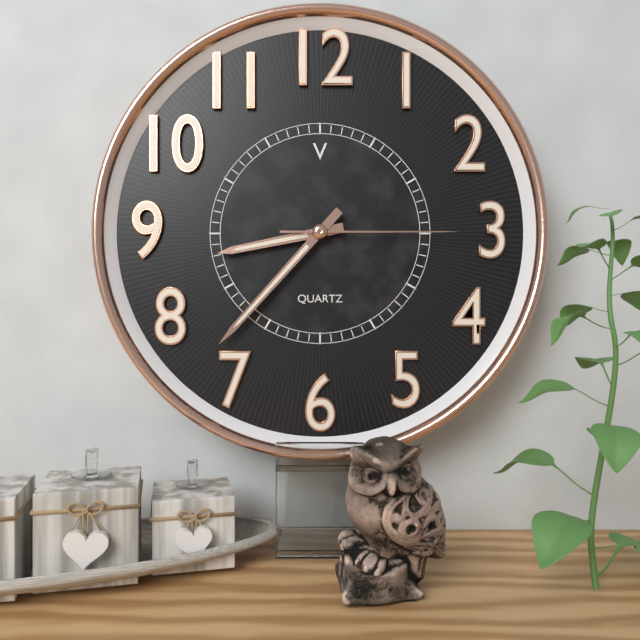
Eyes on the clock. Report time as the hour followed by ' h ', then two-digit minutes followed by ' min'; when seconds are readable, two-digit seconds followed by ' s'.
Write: 8 h 37 min 15 s
